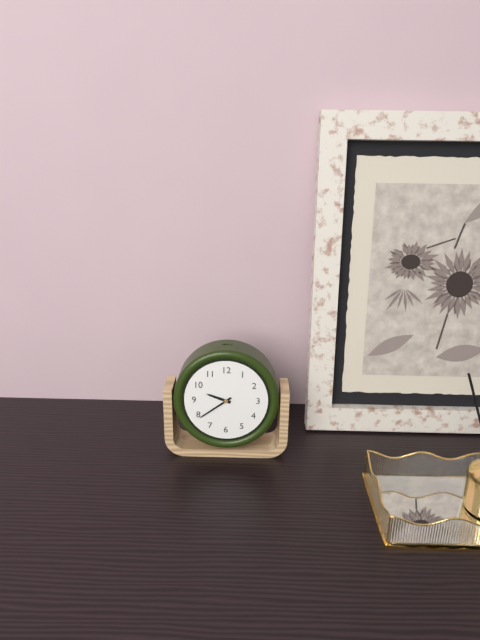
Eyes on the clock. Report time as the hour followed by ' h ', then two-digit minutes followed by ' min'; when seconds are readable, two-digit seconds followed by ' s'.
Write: 9 h 39 min
